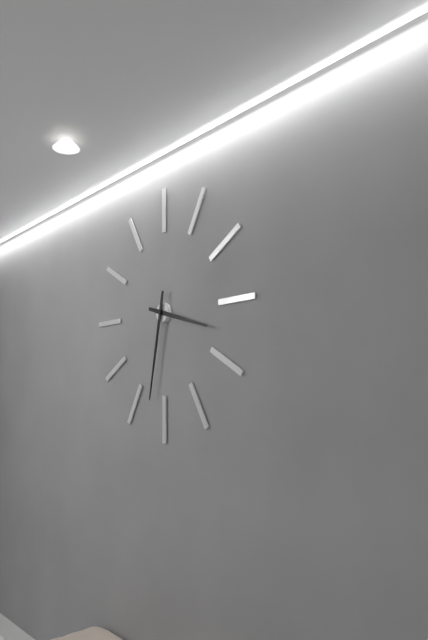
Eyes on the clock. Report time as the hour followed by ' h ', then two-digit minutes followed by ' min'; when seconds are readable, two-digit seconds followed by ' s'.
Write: 3 h 32 min
